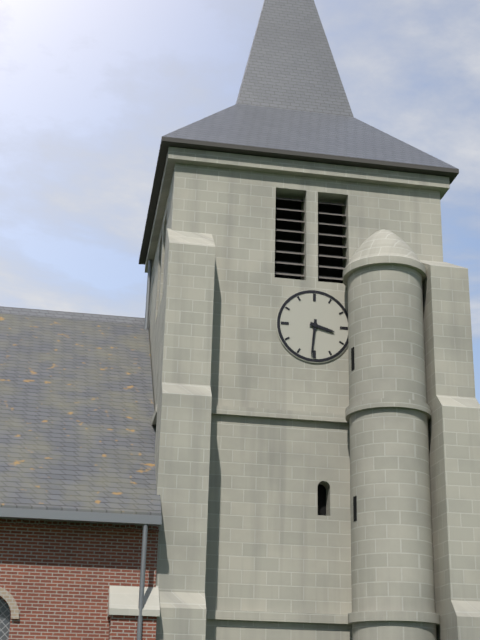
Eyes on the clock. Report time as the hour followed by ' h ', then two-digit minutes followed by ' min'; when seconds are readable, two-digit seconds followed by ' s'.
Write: 3 h 31 min
